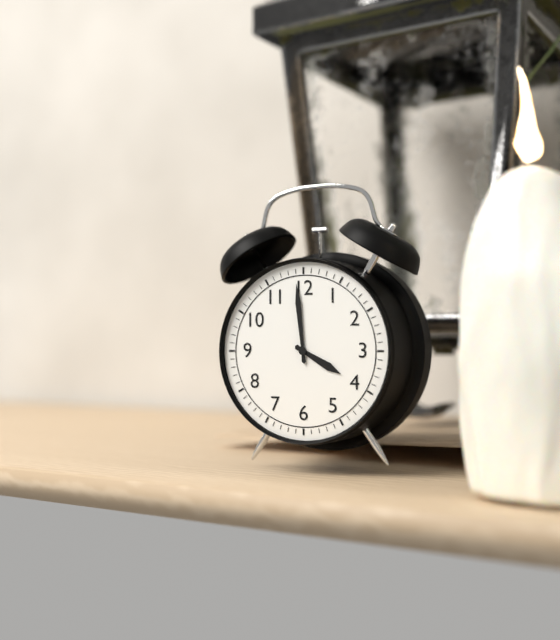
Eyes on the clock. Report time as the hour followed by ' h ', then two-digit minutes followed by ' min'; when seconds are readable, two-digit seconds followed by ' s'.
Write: 3 h 59 min
